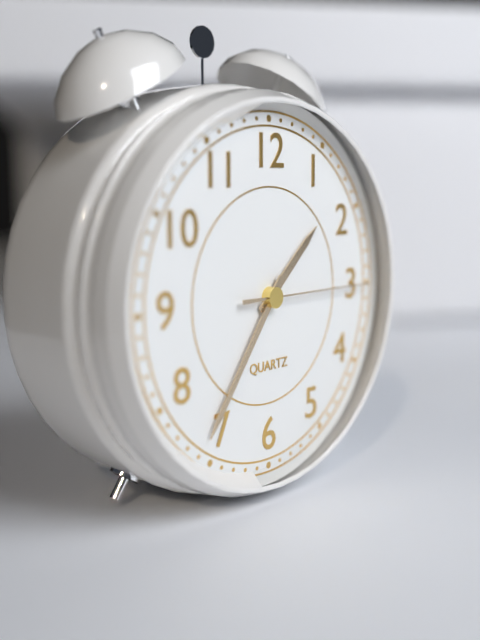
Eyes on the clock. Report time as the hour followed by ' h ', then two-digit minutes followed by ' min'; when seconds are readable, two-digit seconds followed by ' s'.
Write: 1 h 36 min 15 s
